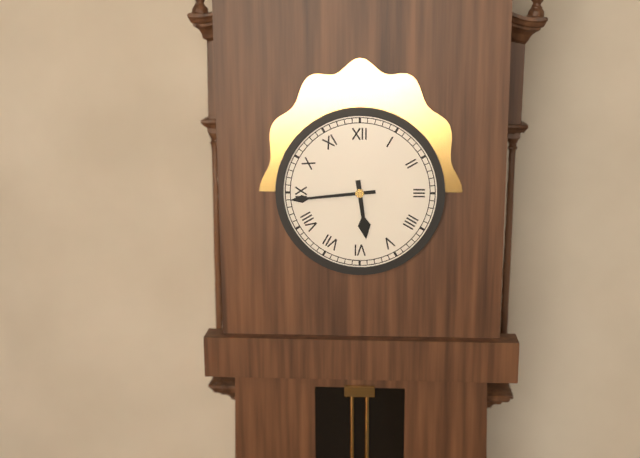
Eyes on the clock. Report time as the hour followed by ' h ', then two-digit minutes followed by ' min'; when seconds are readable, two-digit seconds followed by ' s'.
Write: 5 h 44 min
